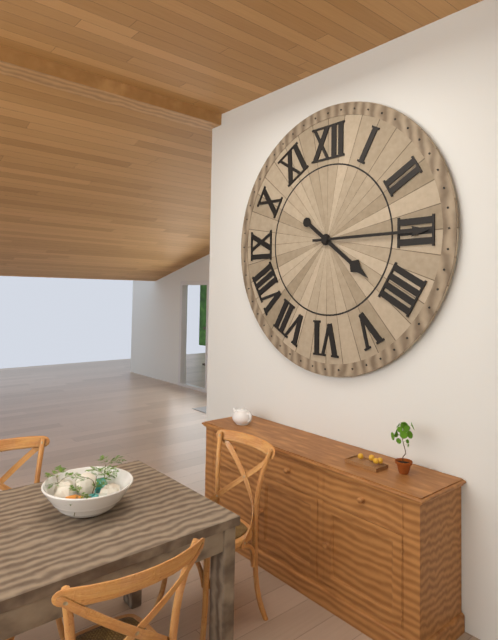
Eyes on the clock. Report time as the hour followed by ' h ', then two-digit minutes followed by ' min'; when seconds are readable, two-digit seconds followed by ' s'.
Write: 4 h 15 min
